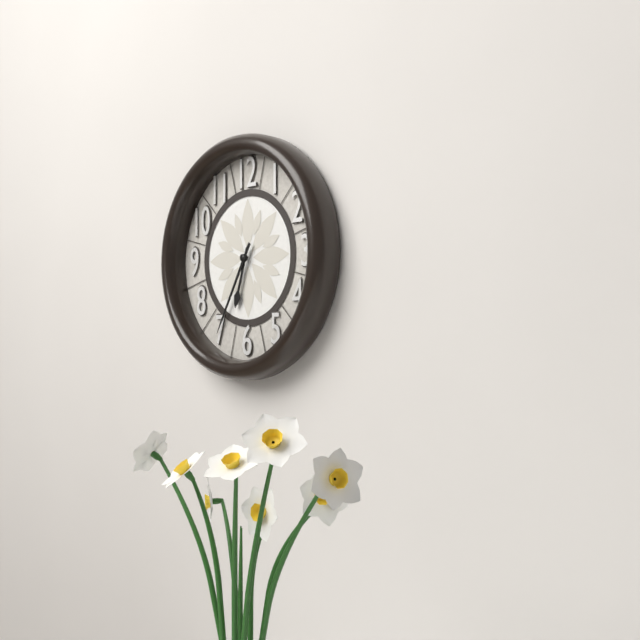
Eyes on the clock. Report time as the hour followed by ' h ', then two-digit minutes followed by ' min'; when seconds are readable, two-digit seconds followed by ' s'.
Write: 6 h 35 min
